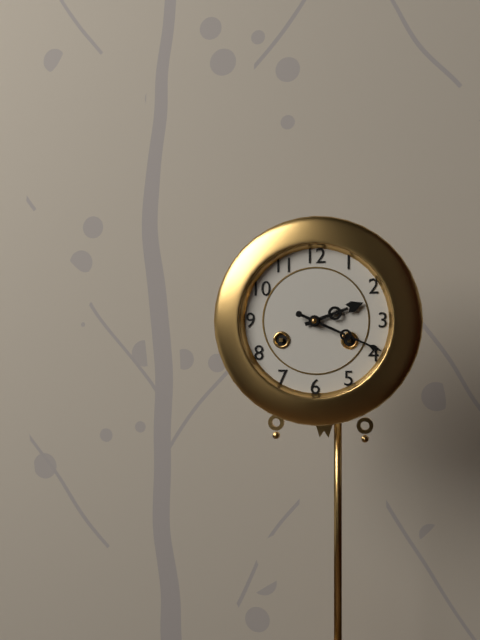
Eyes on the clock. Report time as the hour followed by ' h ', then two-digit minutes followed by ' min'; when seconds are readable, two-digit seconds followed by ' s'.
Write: 2 h 19 min
